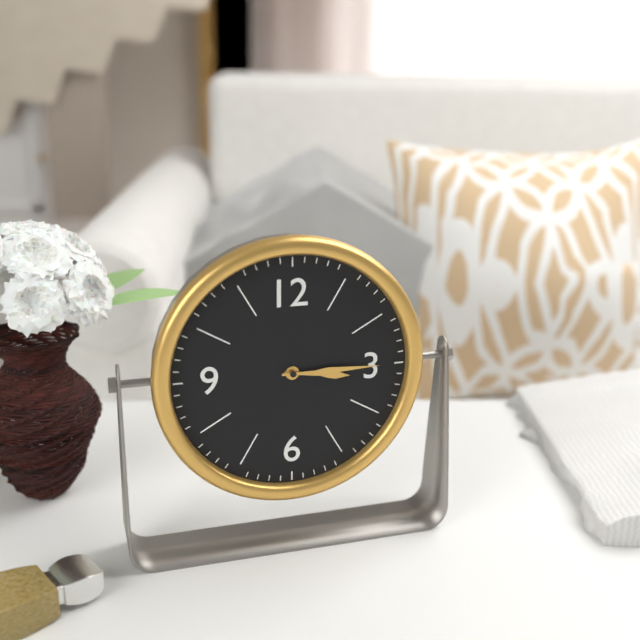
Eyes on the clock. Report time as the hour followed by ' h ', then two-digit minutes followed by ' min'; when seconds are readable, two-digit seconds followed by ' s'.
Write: 3 h 15 min
